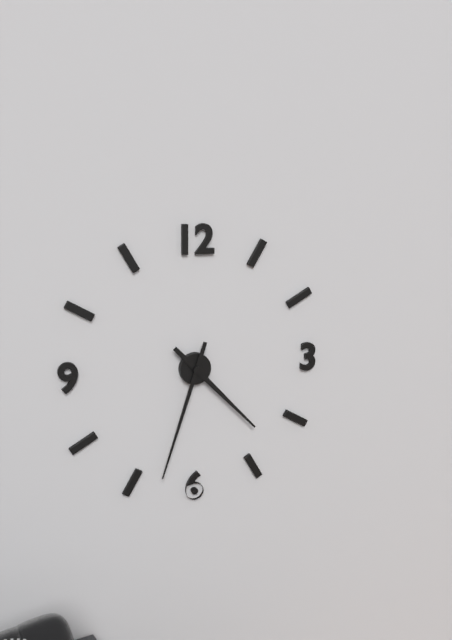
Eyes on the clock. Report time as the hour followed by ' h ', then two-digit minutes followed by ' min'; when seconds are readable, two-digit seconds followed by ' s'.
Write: 4 h 33 min
